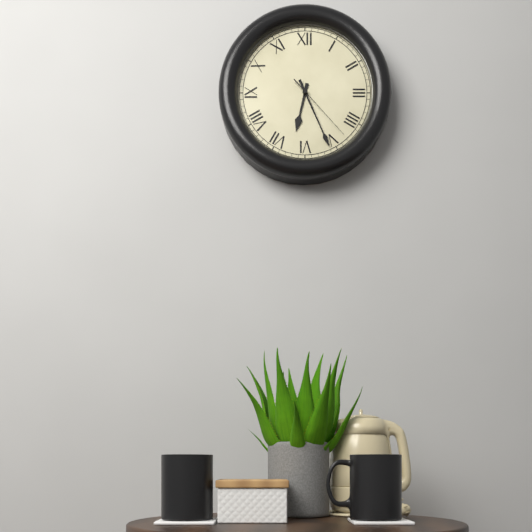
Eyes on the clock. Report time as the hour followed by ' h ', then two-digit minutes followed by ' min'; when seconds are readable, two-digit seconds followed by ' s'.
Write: 6 h 26 min 23 s
